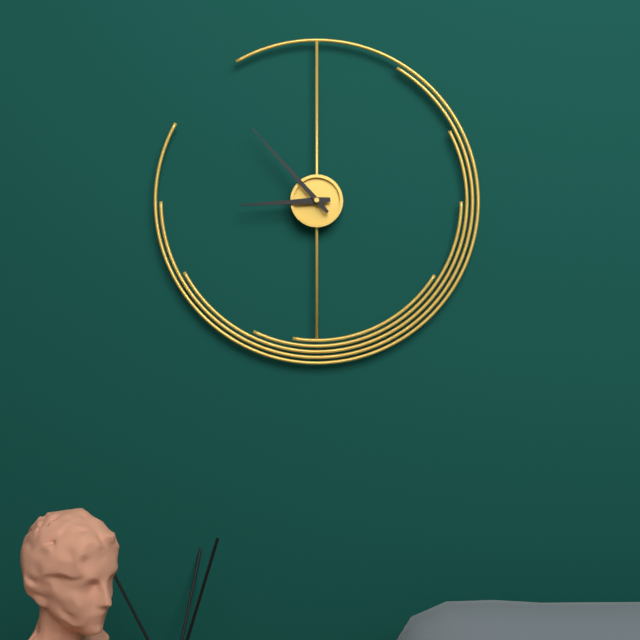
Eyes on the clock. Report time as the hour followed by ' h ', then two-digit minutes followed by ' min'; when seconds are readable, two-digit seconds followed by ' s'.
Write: 8 h 53 min
